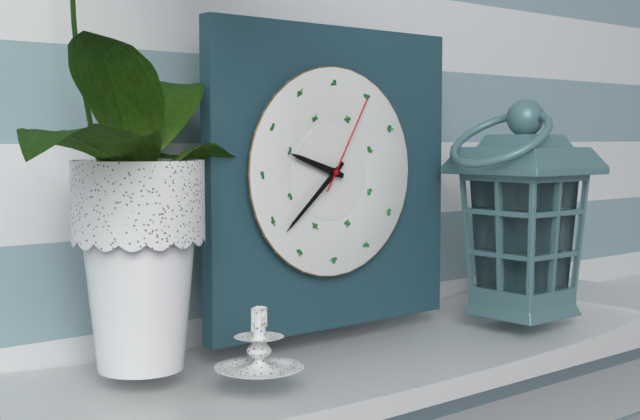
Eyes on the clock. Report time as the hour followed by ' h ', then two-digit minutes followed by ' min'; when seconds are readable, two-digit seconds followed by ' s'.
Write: 9 h 38 min 05 s
